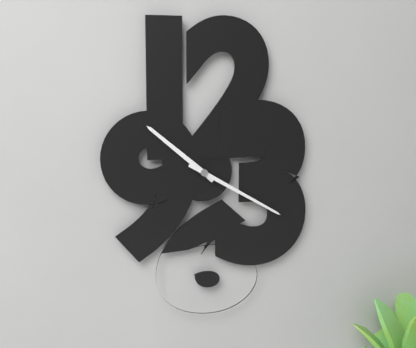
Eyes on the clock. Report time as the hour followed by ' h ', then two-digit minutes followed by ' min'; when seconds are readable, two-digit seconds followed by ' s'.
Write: 10 h 20 min
